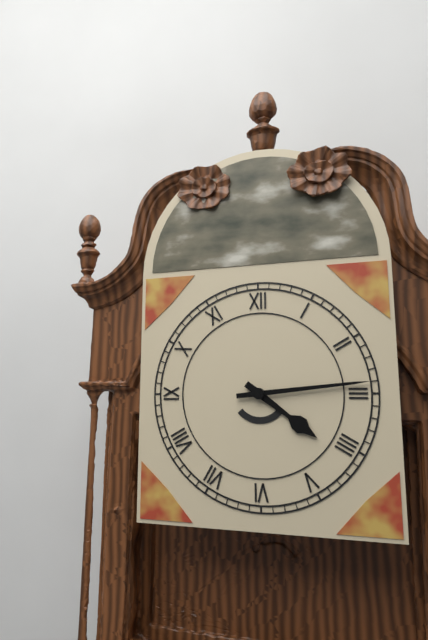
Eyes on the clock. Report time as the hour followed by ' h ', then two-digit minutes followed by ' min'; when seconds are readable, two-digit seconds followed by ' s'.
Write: 4 h 14 min
